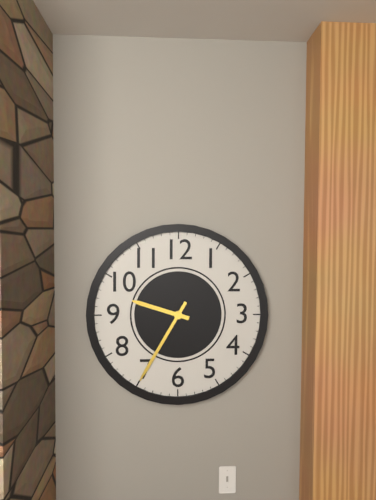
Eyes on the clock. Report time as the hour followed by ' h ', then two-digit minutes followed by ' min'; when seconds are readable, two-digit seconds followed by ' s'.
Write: 9 h 35 min
